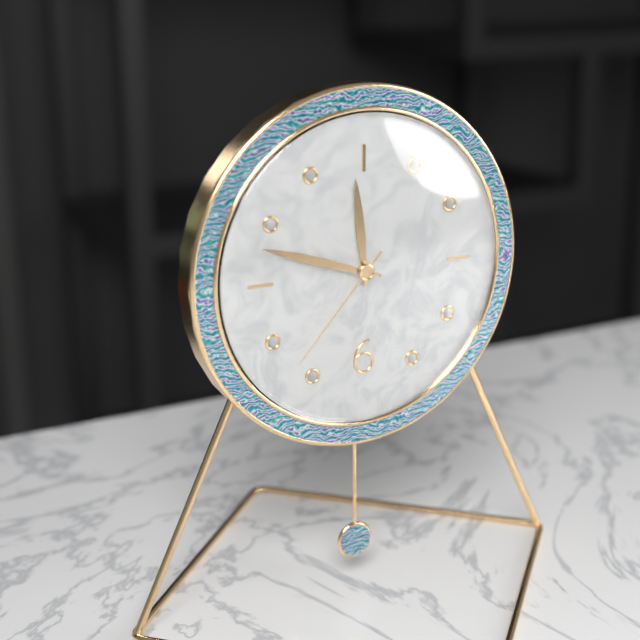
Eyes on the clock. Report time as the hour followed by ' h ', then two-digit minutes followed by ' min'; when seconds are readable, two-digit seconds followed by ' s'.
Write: 11 h 48 min 37 s
